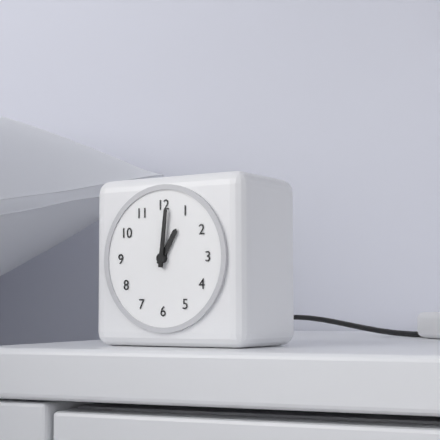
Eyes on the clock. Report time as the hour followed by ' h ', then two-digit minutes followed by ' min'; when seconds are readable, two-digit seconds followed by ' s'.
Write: 1 h 01 min
